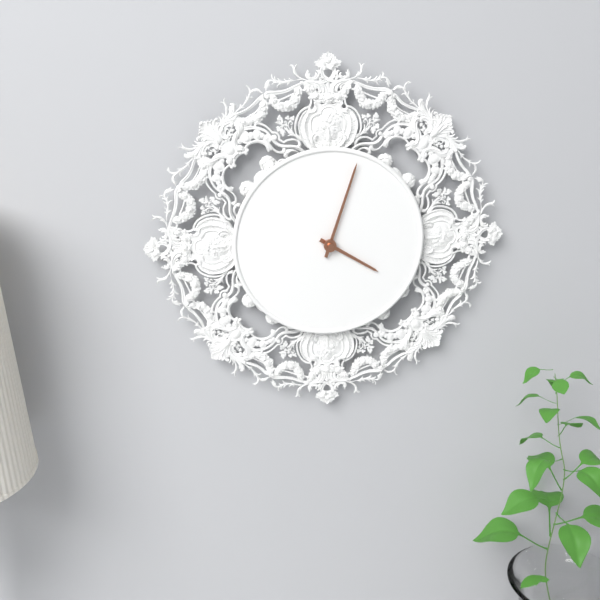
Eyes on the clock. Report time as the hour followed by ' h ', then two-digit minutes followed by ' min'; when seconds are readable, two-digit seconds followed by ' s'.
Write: 4 h 03 min
